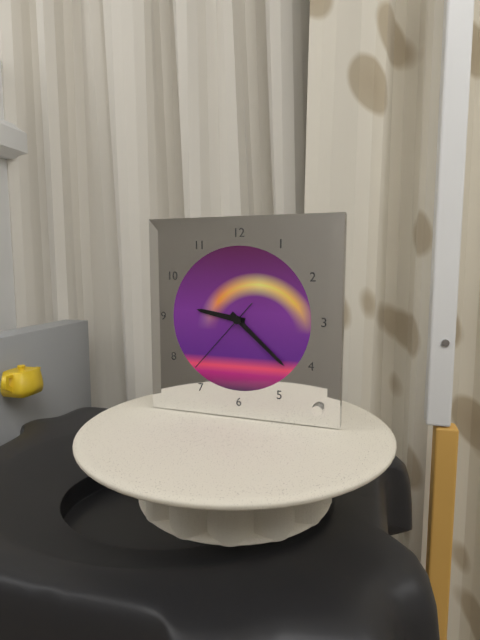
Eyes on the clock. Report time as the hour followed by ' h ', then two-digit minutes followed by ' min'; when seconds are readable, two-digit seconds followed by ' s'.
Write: 9 h 22 min 37 s
